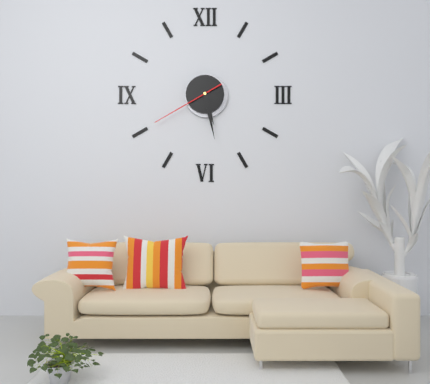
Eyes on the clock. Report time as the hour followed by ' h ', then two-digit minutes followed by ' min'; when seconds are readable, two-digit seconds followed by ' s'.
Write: 5 h 28 min 40 s
